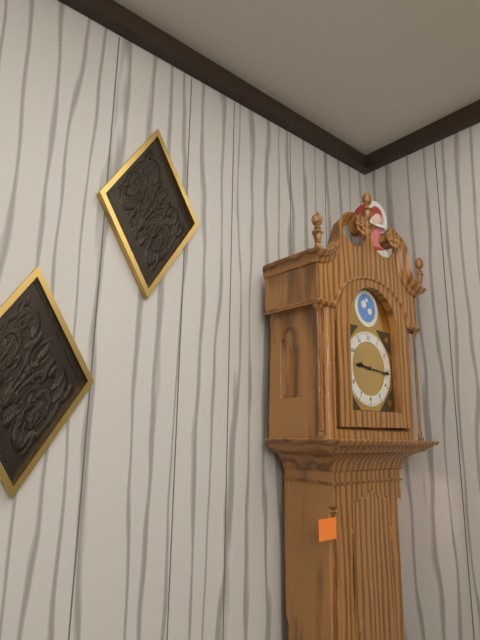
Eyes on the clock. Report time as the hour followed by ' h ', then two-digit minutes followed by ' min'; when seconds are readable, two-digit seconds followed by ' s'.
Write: 9 h 16 min
